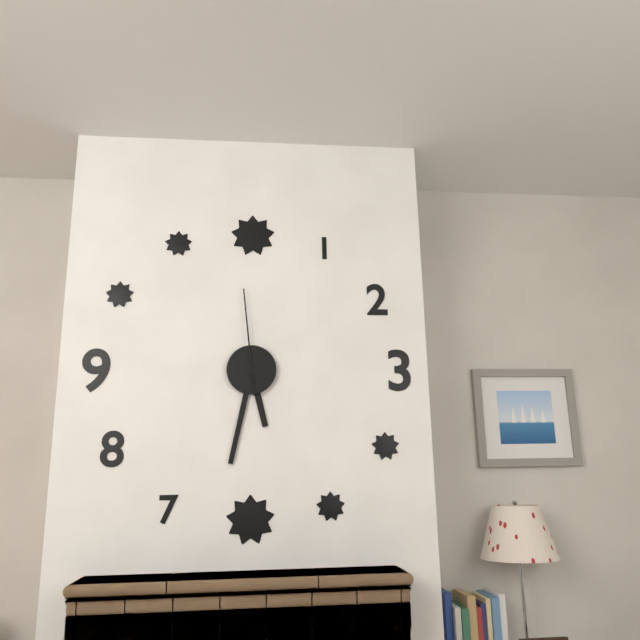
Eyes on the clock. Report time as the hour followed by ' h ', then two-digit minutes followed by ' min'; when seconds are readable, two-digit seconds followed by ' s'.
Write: 5 h 32 min 59 s
